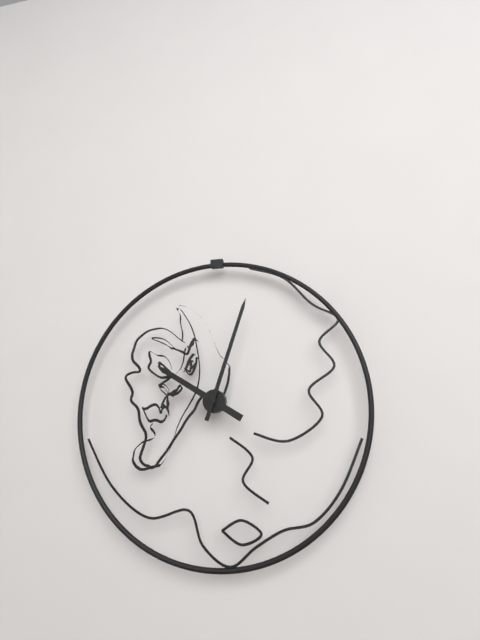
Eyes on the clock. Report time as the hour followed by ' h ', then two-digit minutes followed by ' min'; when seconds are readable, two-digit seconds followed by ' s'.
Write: 10 h 03 min
